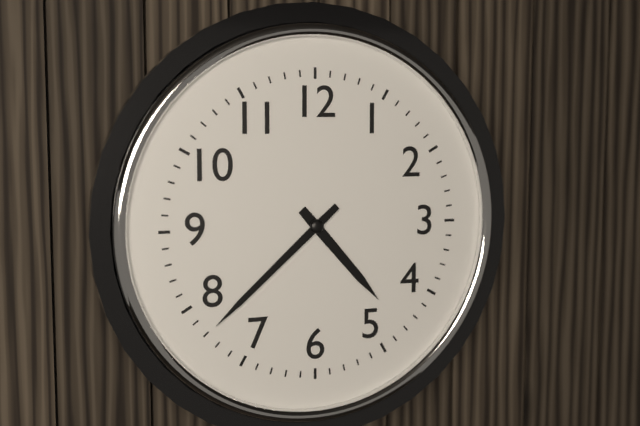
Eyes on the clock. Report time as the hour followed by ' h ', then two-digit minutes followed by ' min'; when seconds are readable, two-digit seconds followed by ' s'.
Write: 4 h 38 min
